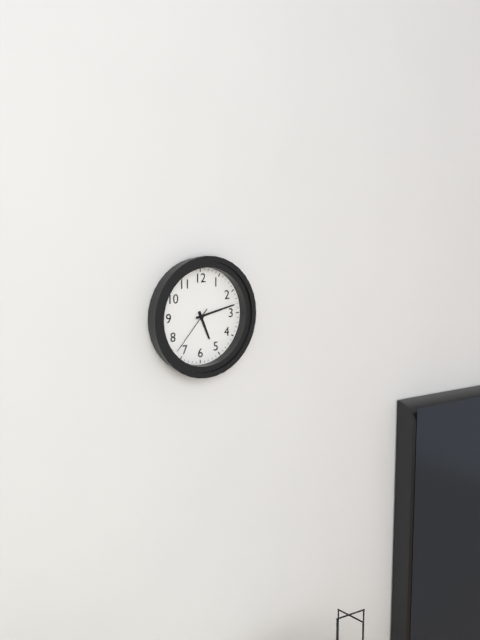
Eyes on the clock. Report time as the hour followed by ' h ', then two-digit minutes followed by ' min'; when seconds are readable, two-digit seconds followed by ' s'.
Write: 5 h 13 min 37 s
